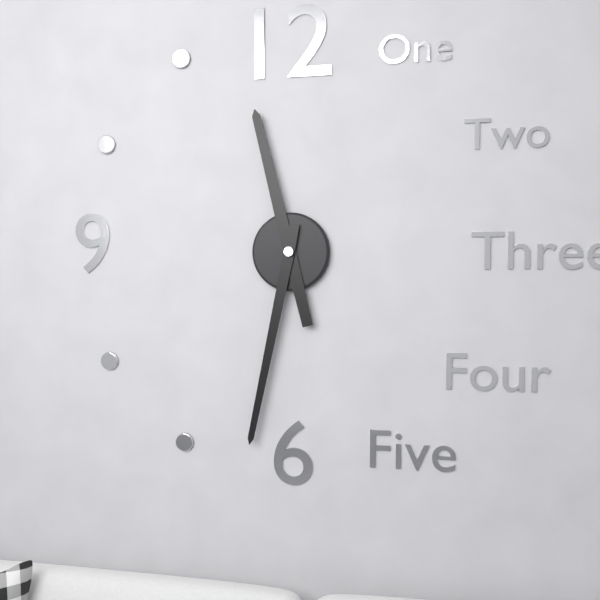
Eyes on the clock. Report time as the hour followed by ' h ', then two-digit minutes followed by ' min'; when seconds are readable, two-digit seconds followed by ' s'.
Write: 11 h 32 min
